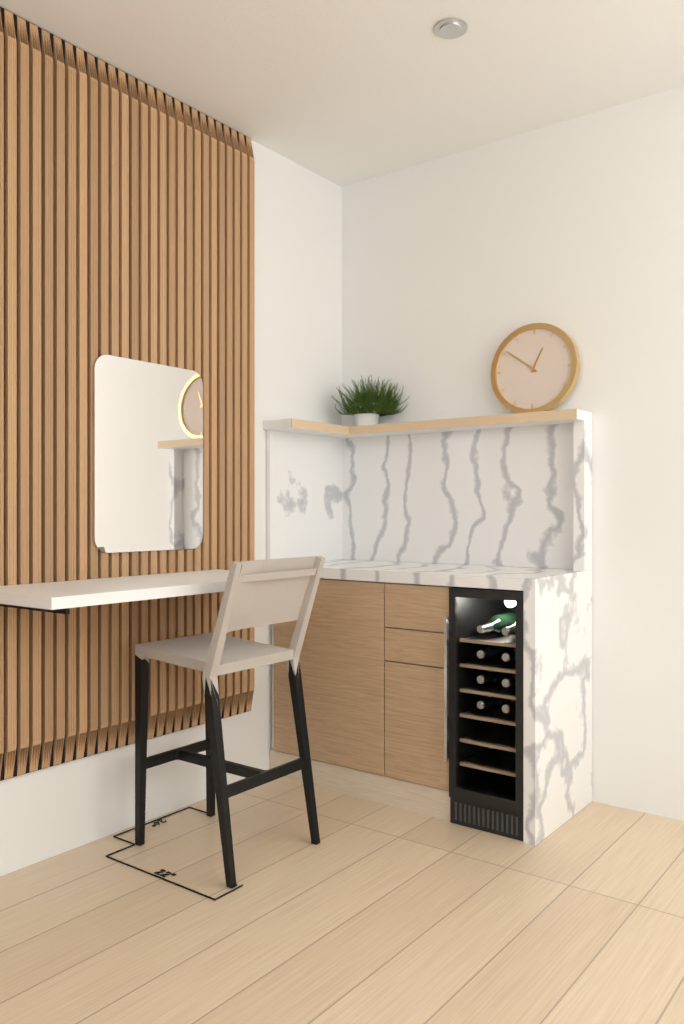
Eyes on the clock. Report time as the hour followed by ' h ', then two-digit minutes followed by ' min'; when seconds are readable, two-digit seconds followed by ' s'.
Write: 12 h 51 min
